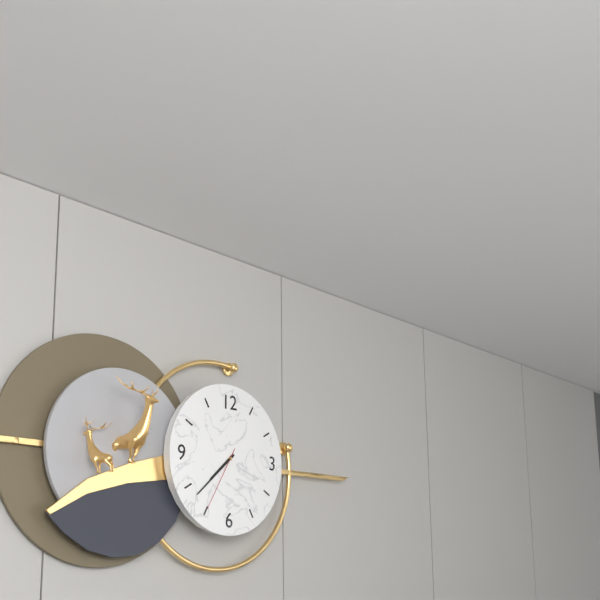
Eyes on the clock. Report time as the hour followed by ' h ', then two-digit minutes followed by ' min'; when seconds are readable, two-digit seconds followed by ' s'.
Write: 7 h 38 min 35 s
